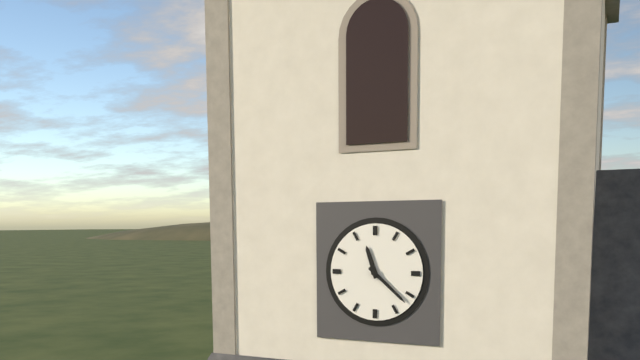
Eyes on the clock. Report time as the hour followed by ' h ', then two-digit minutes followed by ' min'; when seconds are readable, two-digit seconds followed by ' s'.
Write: 11 h 22 min
